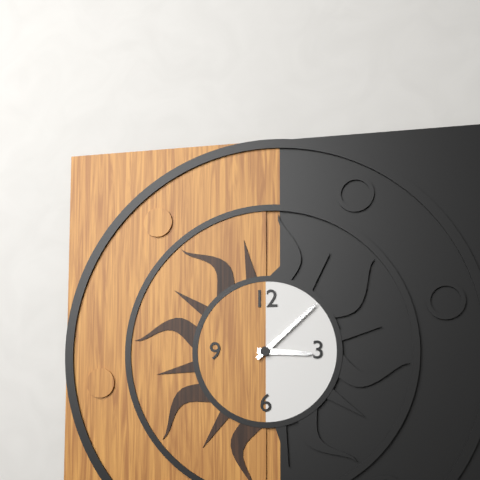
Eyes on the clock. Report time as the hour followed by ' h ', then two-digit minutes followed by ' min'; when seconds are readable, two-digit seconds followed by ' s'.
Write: 3 h 08 min
